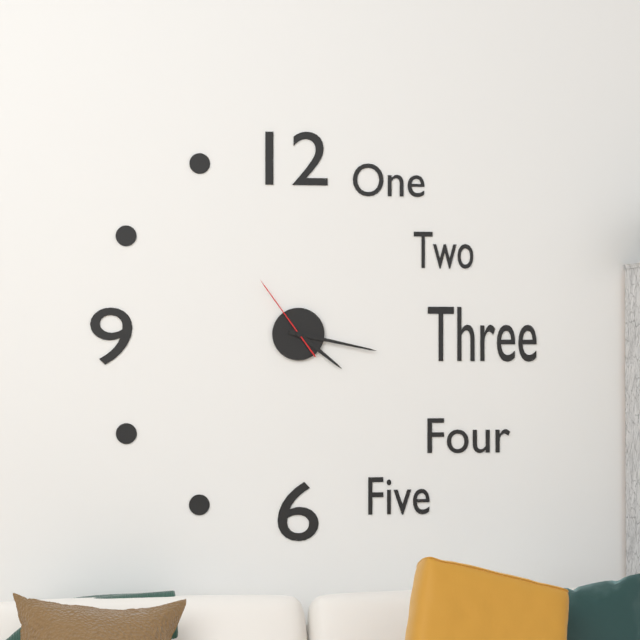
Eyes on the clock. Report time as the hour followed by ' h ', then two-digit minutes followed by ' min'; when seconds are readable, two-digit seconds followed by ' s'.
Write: 4 h 17 min 54 s
